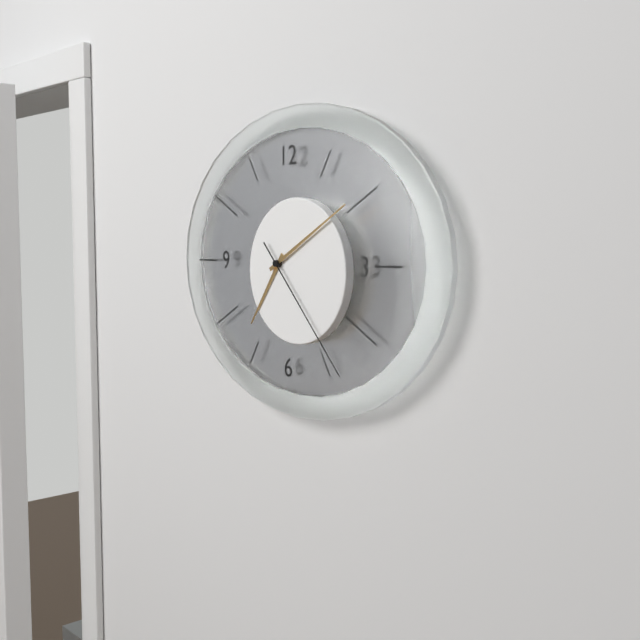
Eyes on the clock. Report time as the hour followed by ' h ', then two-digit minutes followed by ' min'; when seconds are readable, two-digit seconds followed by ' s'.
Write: 7 h 10 min 23 s
